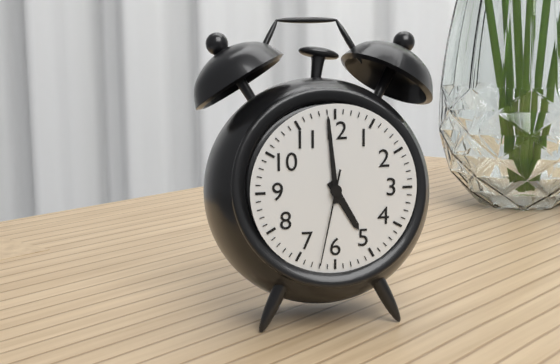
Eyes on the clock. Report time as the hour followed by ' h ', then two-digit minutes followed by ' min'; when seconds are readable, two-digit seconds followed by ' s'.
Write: 4 h 59 min 32 s
